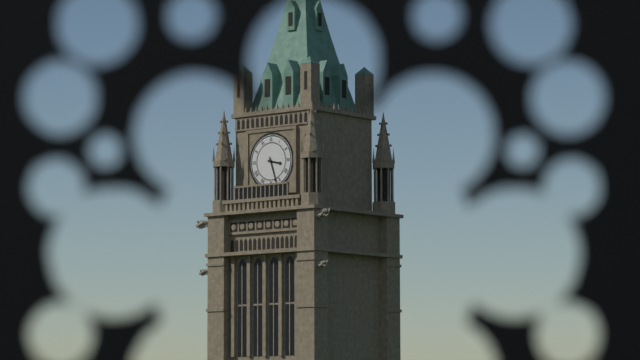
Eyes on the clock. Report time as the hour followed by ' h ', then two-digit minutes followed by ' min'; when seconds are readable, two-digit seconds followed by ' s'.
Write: 3 h 27 min
